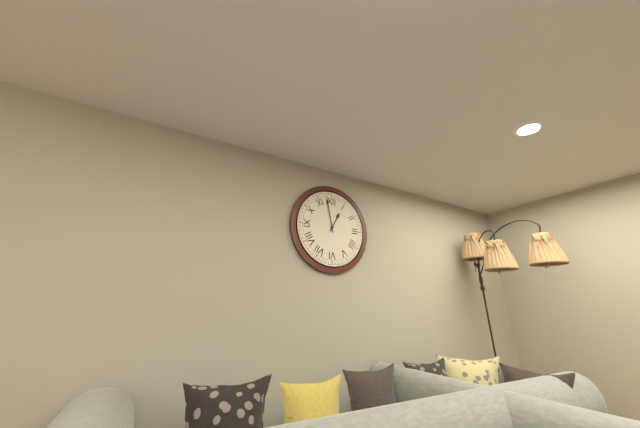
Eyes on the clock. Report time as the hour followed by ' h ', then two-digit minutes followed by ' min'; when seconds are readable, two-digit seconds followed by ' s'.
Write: 12 h 58 min
